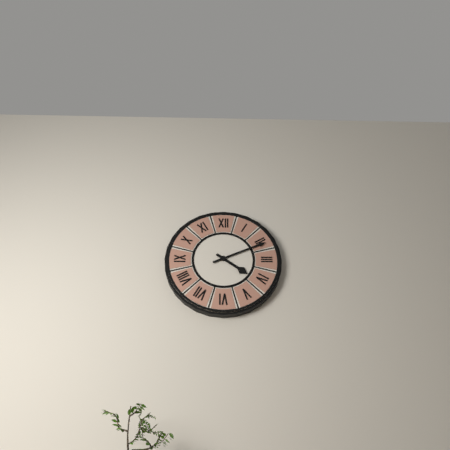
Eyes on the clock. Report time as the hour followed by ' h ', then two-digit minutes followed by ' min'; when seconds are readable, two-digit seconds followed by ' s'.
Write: 4 h 11 min
